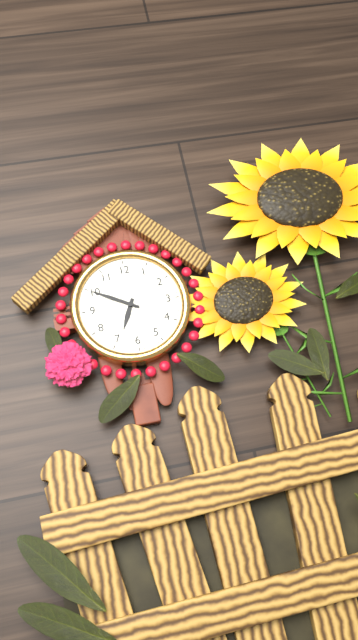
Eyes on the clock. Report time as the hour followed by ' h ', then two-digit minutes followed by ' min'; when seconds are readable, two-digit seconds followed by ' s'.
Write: 6 h 50 min
